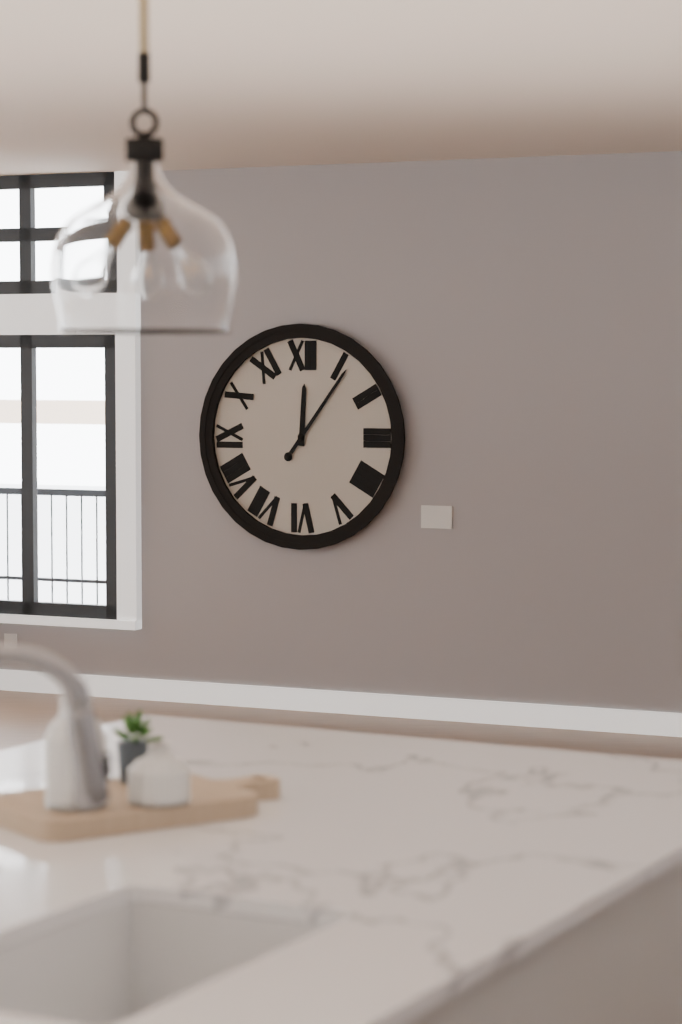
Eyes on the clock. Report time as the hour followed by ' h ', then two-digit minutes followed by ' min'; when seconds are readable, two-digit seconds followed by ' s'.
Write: 12 h 06 min
